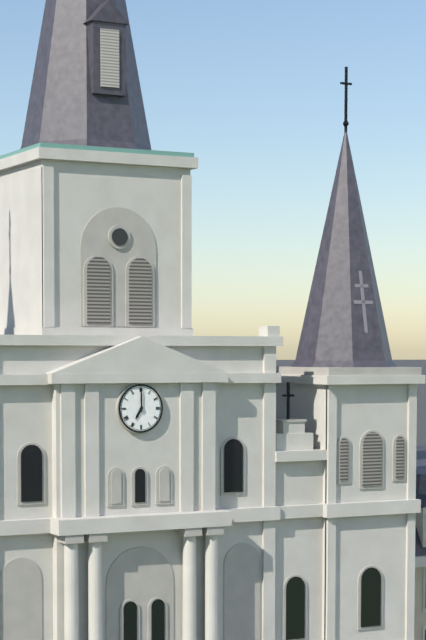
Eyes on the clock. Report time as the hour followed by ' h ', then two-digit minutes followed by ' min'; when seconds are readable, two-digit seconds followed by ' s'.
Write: 7 h 00 min
